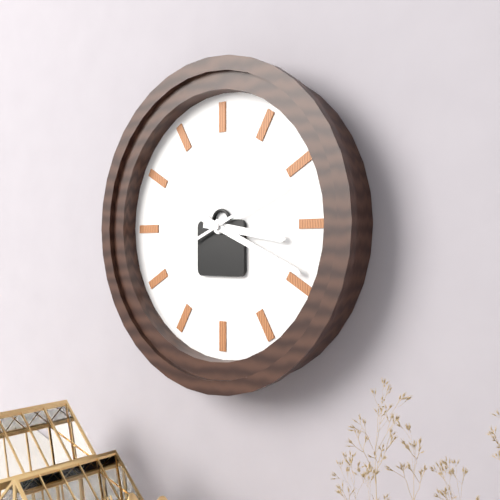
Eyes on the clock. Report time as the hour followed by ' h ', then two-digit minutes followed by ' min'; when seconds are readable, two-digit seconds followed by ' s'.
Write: 3 h 19 min 11 s
